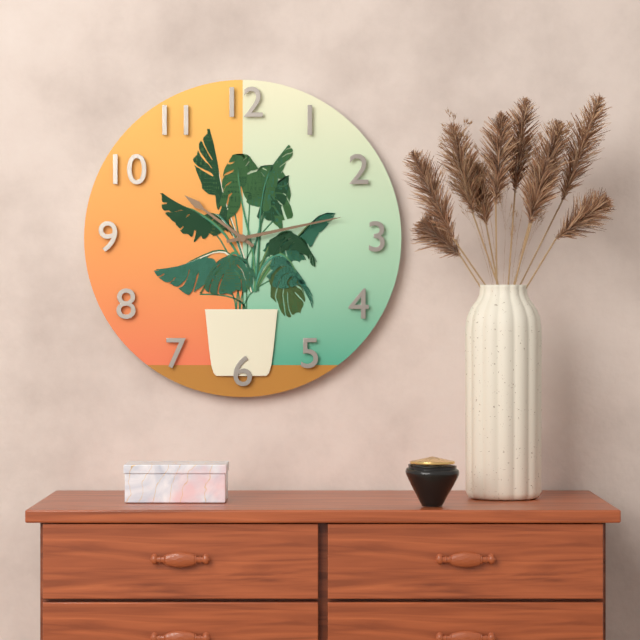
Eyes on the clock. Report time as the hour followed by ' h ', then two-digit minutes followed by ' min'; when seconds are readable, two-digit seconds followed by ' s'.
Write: 10 h 13 min
